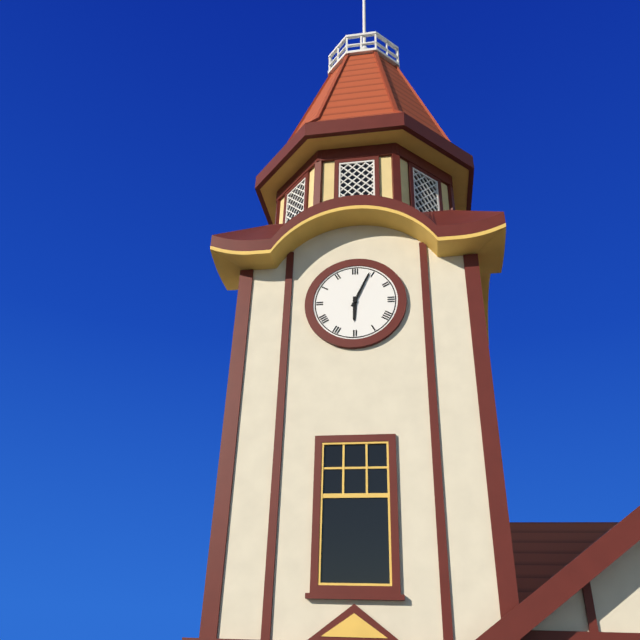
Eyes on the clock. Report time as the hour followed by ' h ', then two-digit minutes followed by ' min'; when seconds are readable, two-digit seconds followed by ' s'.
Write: 6 h 04 min
